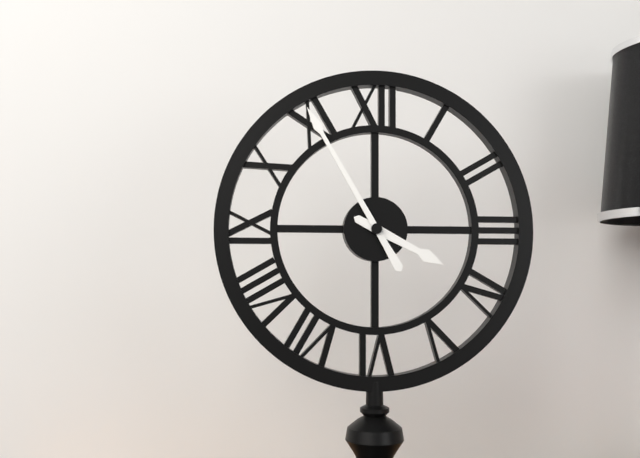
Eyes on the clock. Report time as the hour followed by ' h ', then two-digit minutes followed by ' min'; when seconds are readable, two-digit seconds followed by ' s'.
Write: 3 h 55 min
